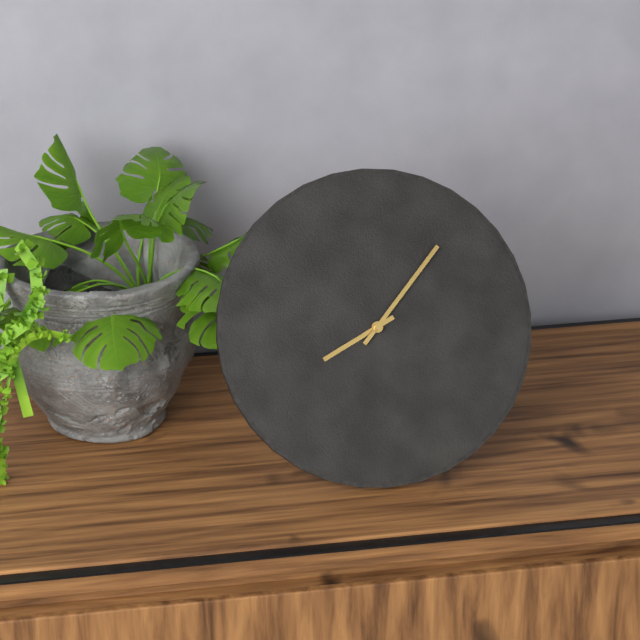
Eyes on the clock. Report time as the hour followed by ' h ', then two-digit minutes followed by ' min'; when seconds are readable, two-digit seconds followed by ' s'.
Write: 8 h 07 min
